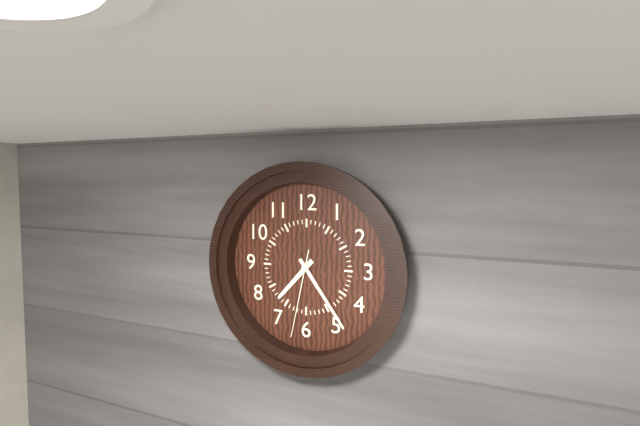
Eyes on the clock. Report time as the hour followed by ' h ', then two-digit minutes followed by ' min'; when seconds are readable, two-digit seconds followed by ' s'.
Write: 7 h 24 min 32 s
